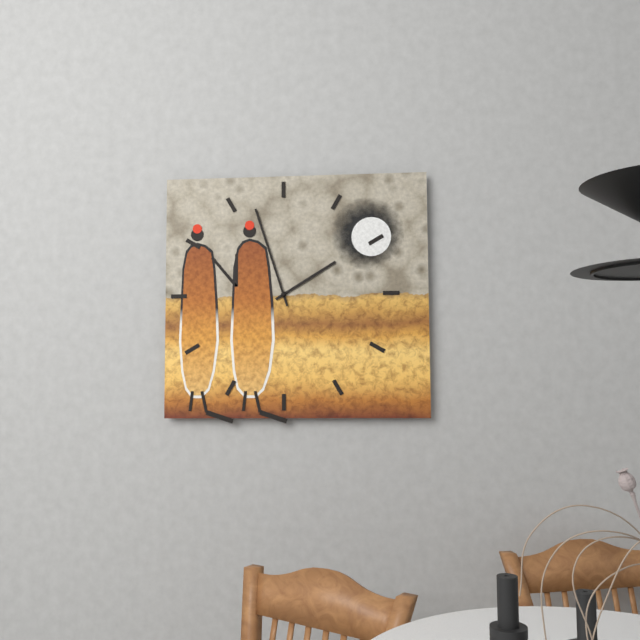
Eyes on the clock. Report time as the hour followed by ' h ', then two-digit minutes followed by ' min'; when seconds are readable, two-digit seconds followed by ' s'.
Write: 1 h 57 min
